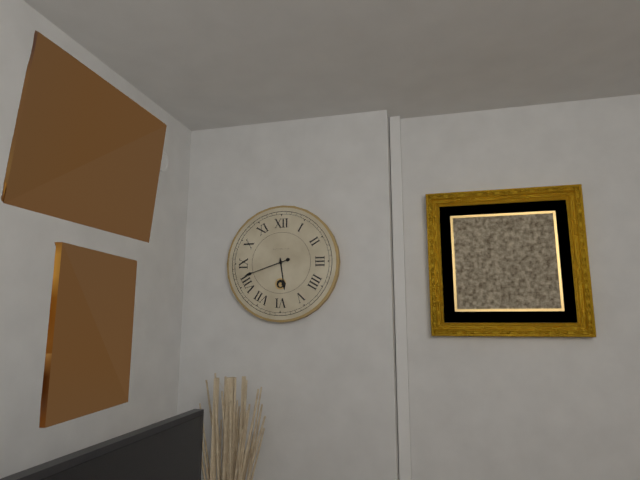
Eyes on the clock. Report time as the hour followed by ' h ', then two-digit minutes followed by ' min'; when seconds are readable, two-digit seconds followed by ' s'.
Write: 5 h 42 min
